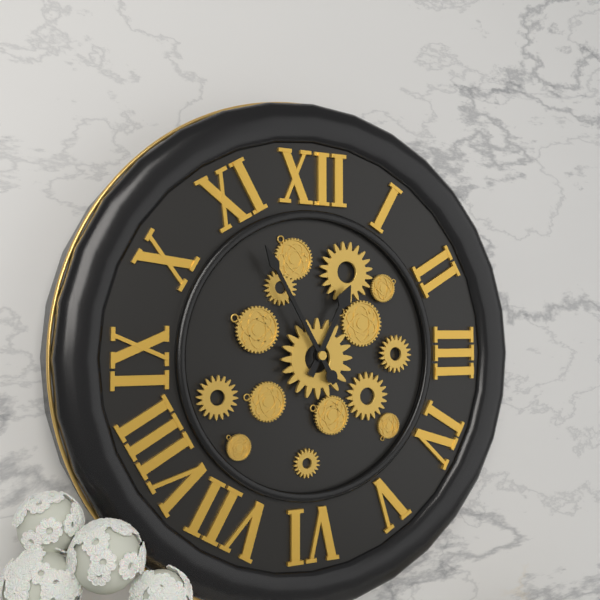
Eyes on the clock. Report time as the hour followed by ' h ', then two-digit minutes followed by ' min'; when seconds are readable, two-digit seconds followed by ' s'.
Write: 12 h 55 min
